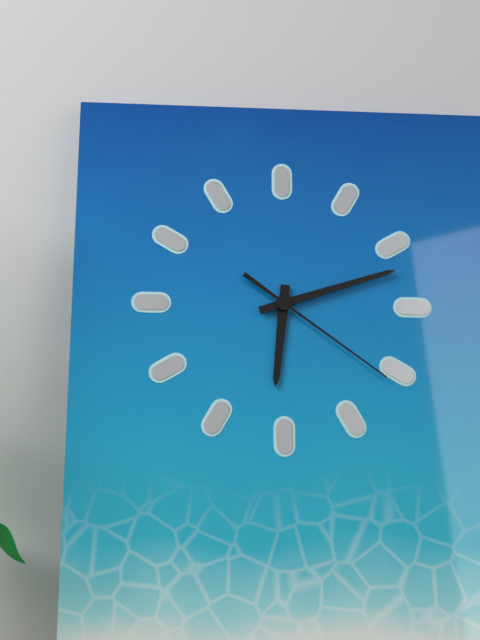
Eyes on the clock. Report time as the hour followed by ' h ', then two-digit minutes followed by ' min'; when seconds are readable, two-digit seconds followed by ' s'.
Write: 6 h 12 min 21 s
